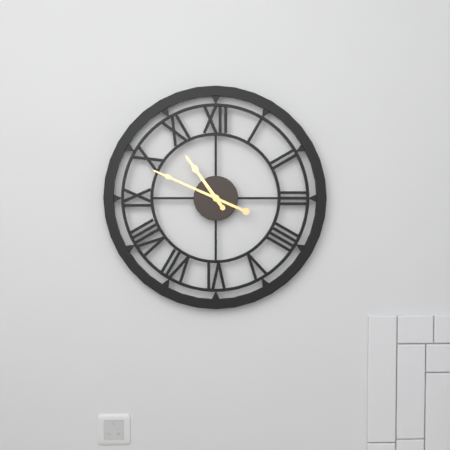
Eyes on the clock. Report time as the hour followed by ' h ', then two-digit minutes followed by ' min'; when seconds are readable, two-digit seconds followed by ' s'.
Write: 10 h 49 min
